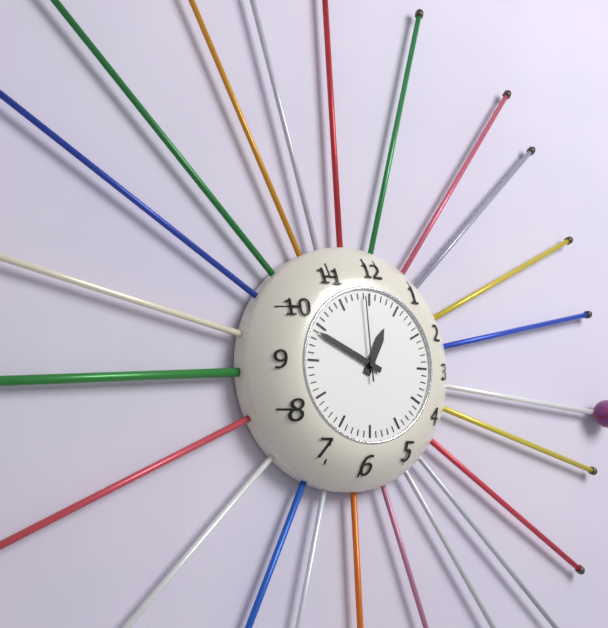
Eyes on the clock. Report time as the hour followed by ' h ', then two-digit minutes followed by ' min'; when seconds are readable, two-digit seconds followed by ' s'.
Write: 12 h 49 min 59 s
